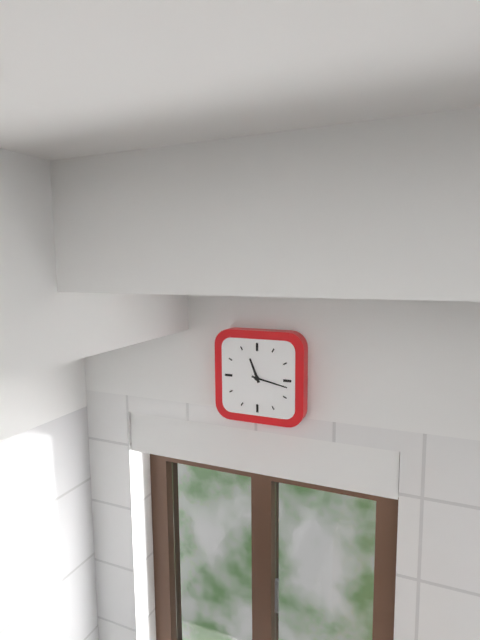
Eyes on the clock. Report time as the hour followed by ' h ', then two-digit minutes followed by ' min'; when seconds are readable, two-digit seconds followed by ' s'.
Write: 11 h 17 min
